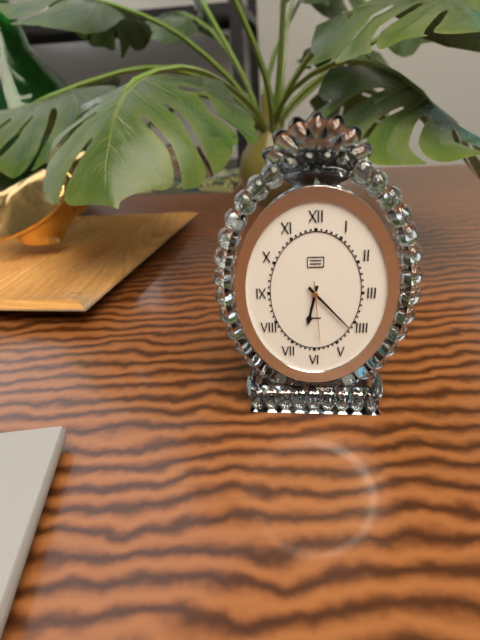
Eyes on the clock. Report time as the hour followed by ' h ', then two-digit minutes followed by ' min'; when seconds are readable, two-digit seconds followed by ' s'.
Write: 6 h 23 min 29 s
